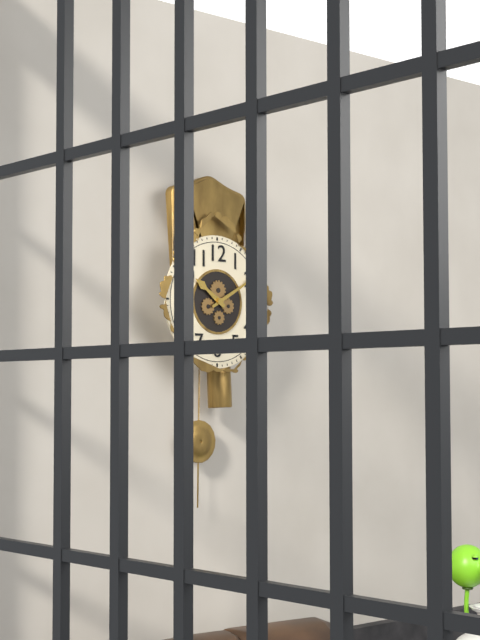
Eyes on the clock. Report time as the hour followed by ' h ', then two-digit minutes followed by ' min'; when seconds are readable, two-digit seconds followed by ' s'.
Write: 10 h 10 min
